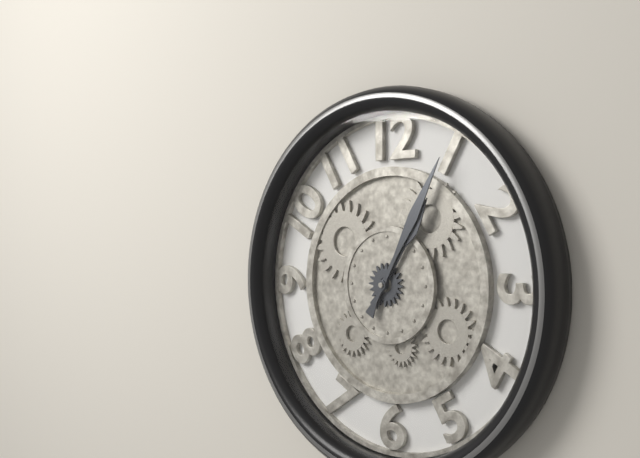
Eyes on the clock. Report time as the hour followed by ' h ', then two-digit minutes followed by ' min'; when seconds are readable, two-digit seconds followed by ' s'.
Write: 1 h 05 min
